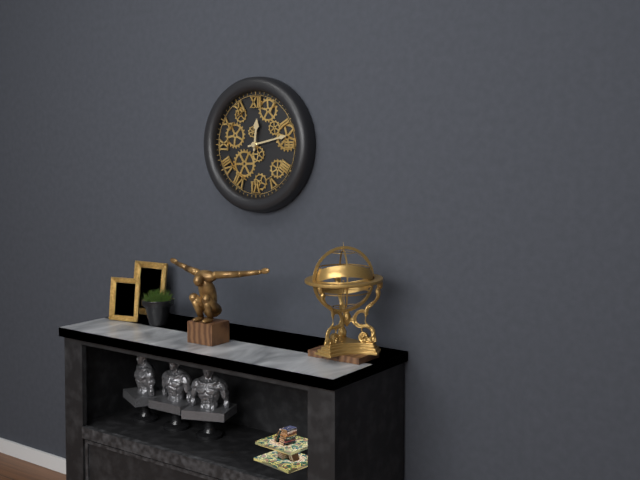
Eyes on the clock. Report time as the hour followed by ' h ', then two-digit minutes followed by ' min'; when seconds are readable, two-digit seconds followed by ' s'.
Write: 12 h 13 min
